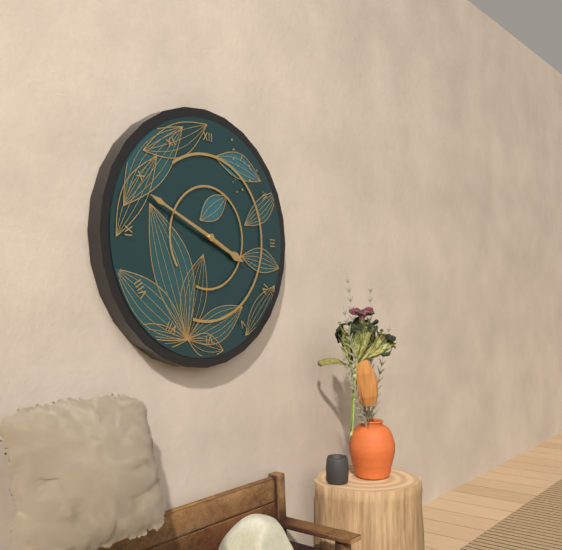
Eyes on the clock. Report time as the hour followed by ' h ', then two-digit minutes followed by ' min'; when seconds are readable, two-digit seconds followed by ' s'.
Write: 3 h 49 min
